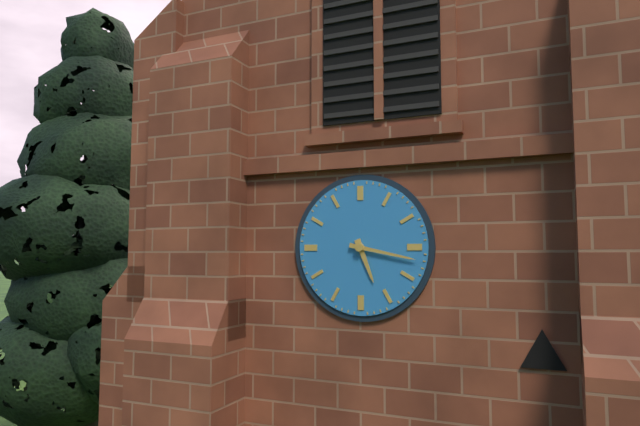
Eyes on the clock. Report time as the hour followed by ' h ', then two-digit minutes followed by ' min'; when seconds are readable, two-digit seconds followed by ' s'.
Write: 5 h 17 min
